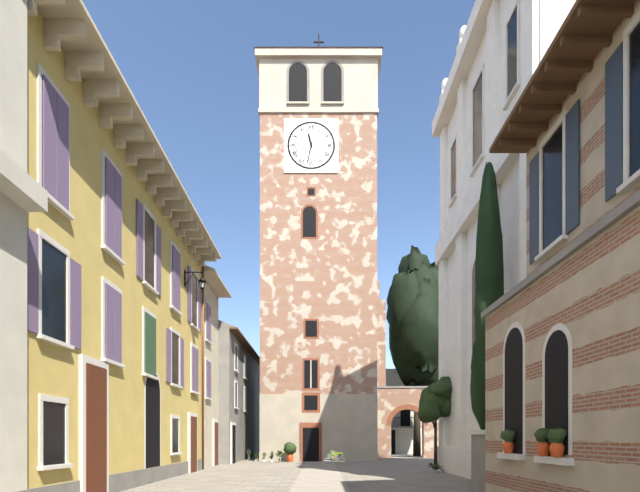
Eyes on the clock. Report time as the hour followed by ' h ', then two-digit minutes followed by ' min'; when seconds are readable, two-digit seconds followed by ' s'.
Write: 11 h 32 min
